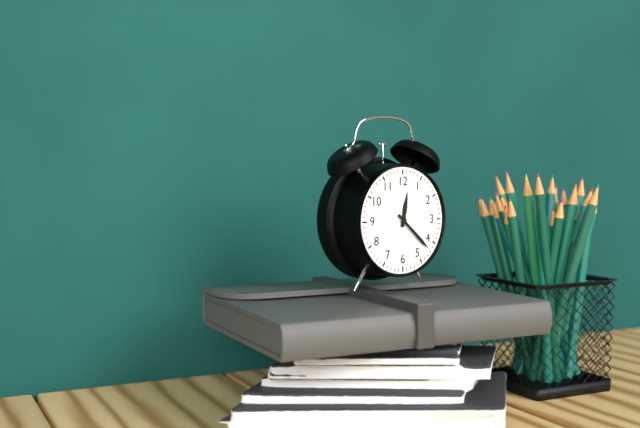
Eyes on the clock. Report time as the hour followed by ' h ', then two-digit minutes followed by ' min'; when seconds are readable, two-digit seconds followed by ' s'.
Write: 12 h 22 min
